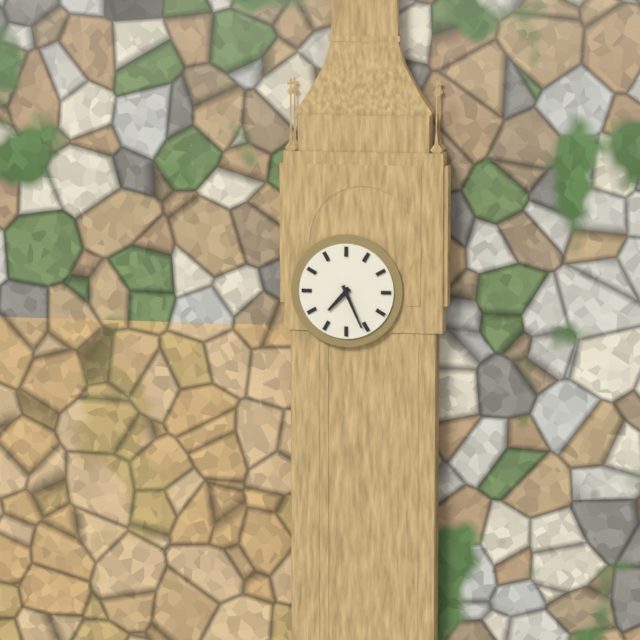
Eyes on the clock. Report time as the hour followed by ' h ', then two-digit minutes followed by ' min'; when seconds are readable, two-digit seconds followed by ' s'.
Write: 7 h 26 min
